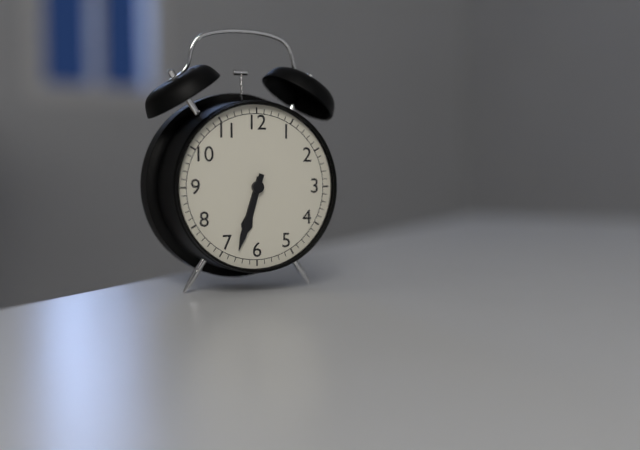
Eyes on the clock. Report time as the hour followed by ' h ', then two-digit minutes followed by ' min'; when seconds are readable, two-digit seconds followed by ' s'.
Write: 6 h 33 min
